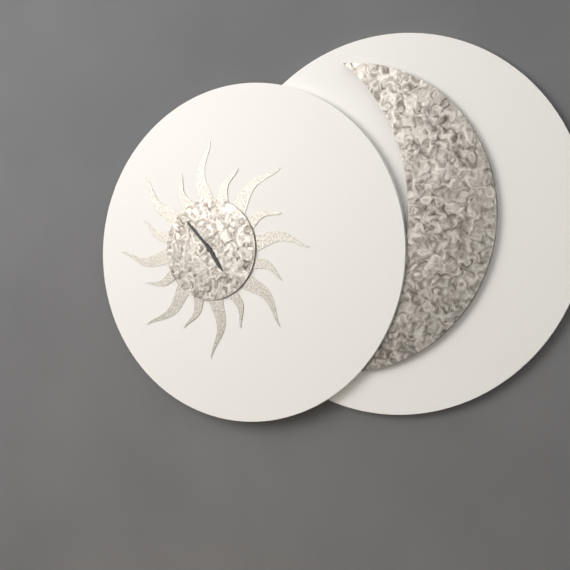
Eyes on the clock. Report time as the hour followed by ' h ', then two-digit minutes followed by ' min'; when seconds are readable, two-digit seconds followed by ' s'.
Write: 4 h 53 min
